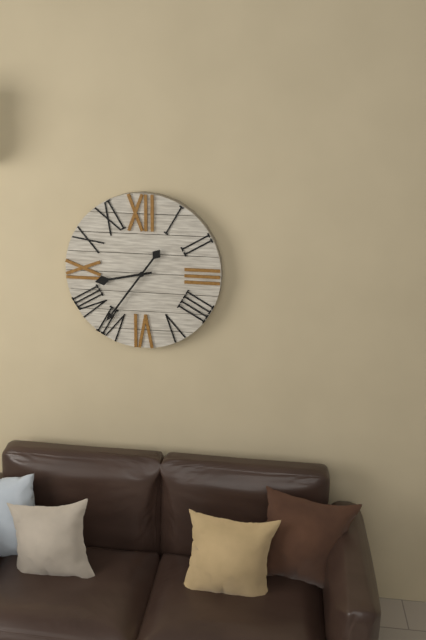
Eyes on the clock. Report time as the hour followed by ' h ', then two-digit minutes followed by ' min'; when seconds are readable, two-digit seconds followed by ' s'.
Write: 8 h 36 min
